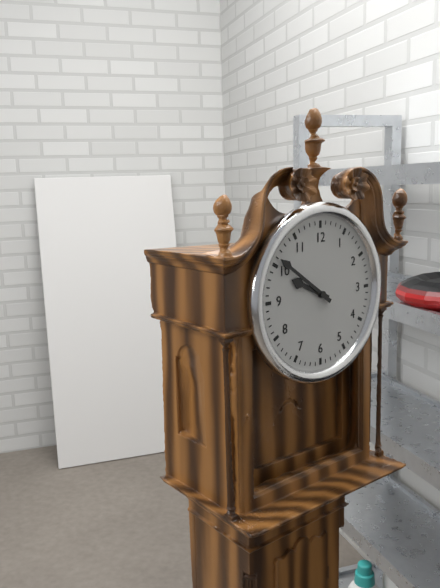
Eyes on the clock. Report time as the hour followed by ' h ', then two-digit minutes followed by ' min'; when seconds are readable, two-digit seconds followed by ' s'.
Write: 9 h 51 min
